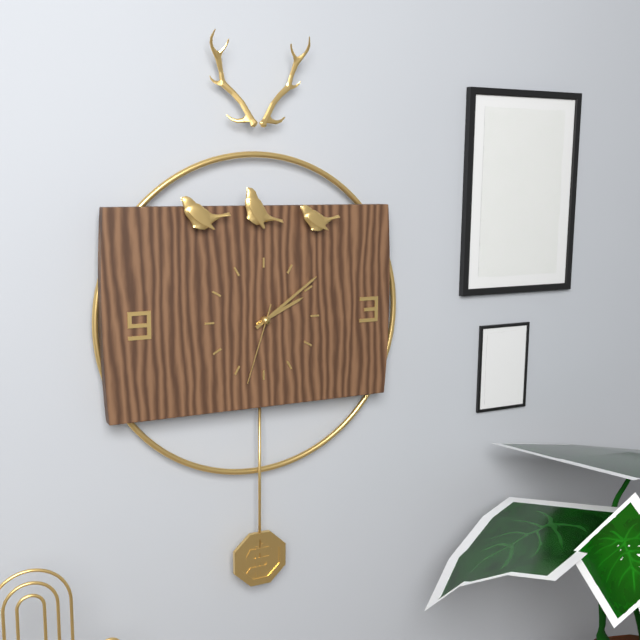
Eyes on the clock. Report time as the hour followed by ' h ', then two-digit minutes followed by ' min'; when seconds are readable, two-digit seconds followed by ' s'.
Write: 2 h 09 min 33 s
